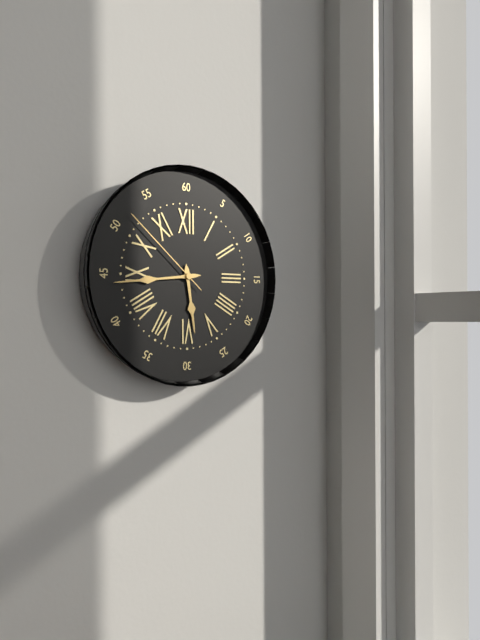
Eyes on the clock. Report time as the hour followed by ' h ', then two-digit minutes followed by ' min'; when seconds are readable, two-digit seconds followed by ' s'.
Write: 5 h 44 min 52 s
